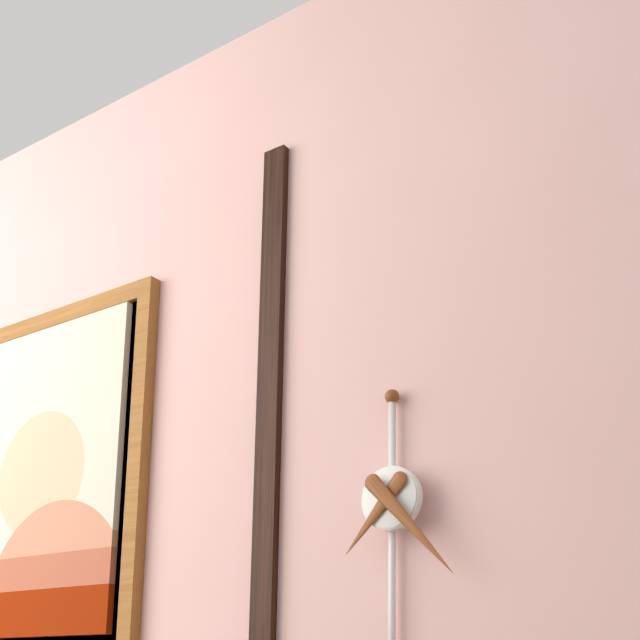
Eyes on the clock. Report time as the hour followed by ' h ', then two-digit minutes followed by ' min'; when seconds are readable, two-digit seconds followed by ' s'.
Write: 7 h 23 min
